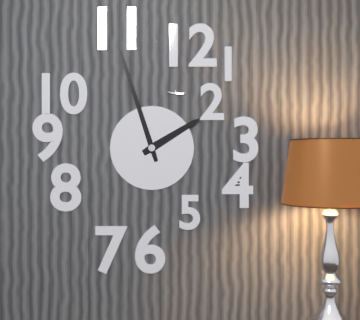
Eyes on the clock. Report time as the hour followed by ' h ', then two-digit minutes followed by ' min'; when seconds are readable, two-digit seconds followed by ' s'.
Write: 1 h 57 min
